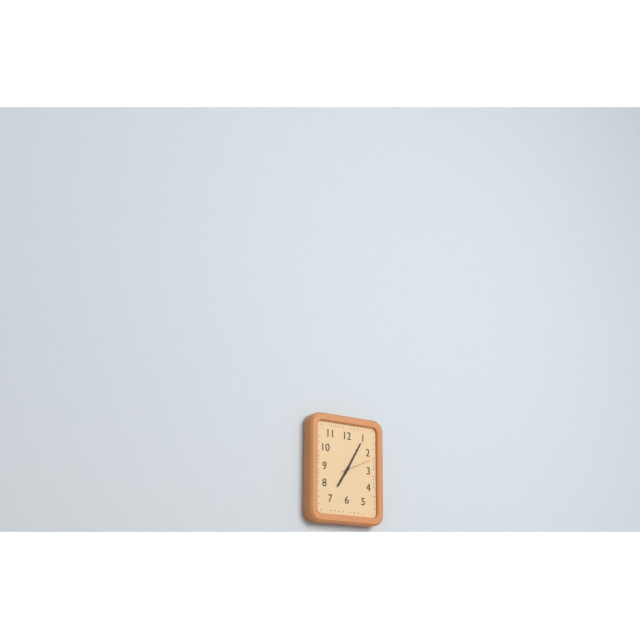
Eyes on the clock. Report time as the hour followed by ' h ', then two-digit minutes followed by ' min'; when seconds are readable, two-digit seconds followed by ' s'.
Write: 7 h 05 min
